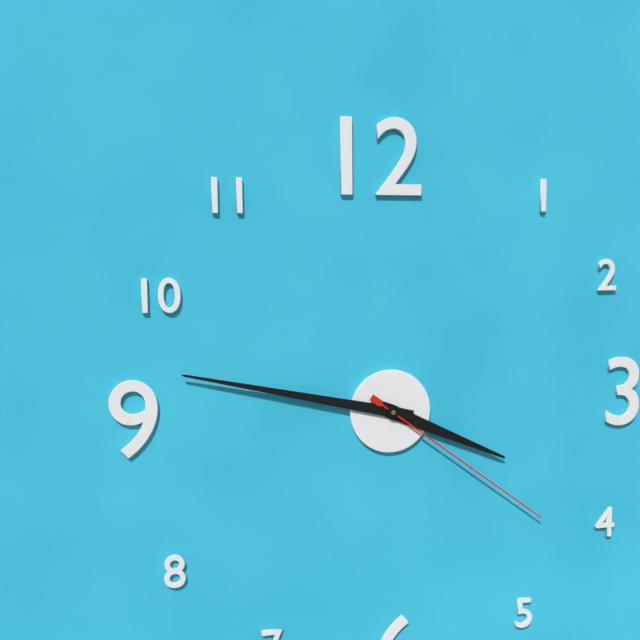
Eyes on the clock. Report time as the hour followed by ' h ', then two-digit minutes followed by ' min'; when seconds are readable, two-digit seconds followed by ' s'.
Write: 3 h 47 min 21 s
